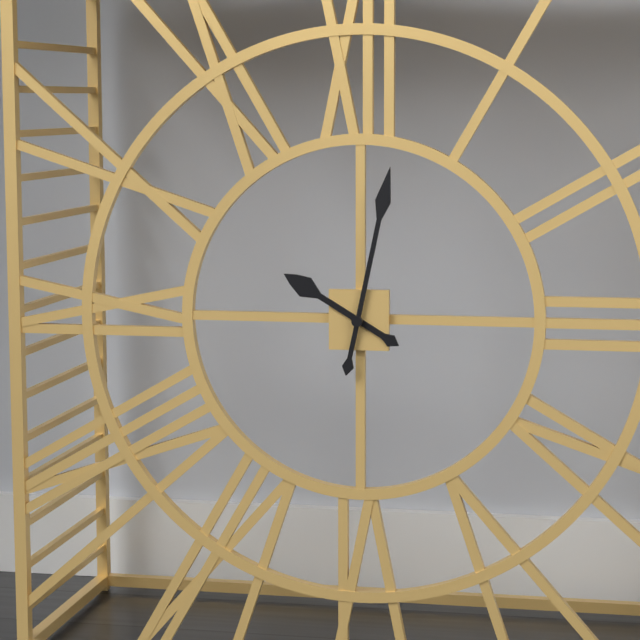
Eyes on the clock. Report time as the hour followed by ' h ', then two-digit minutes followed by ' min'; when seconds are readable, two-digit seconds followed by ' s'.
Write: 10 h 02 min
